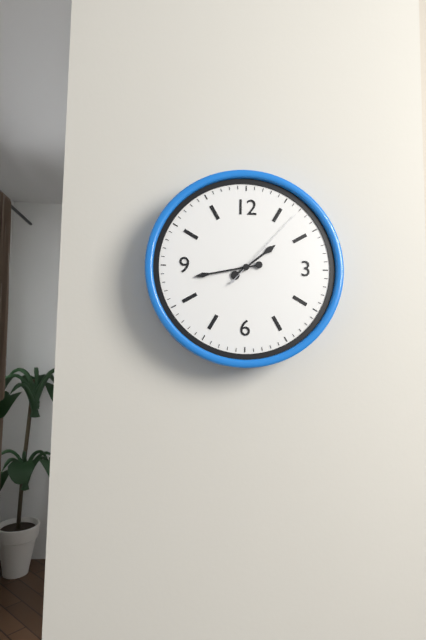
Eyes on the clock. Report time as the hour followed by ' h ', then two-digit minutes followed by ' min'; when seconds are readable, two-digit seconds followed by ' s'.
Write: 1 h 43 min 07 s
